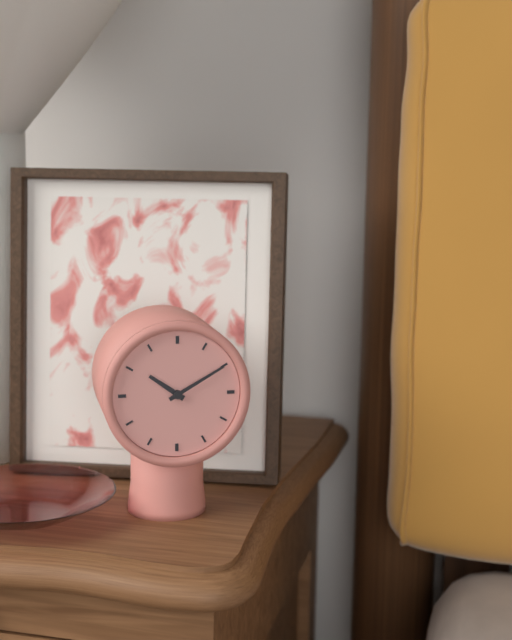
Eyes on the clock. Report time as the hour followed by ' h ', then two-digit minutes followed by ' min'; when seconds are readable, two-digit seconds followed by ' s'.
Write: 10 h 10 min
